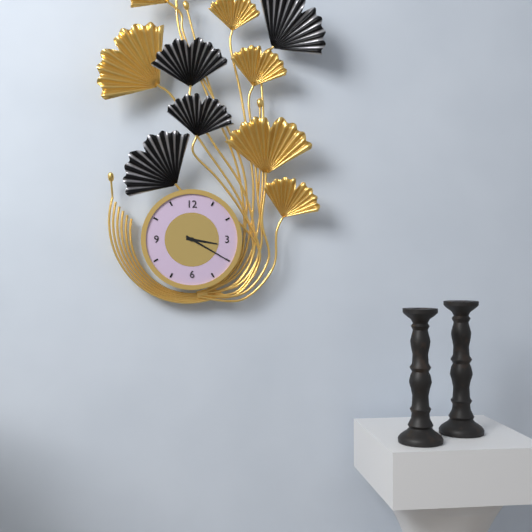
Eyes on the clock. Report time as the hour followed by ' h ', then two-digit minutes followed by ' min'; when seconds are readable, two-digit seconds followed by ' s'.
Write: 3 h 20 min
